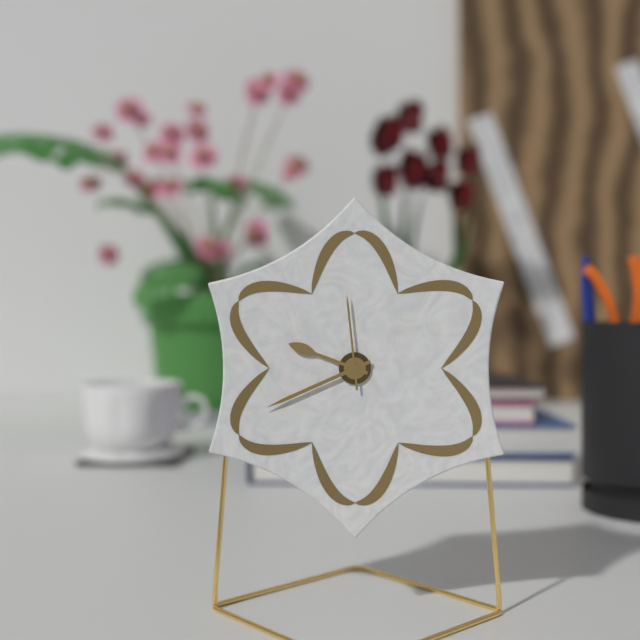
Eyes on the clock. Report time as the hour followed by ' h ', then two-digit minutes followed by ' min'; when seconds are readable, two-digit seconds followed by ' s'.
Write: 9 h 41 min 59 s
